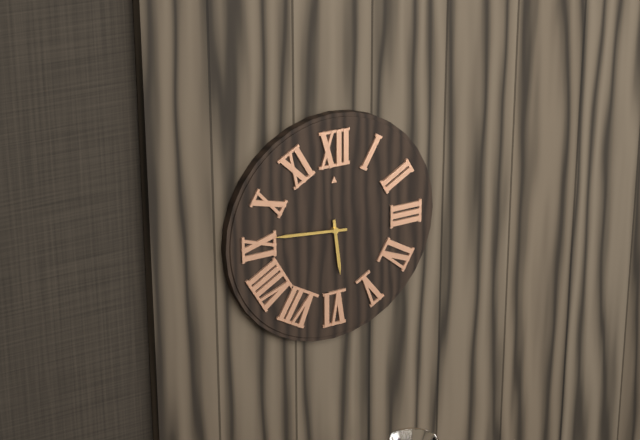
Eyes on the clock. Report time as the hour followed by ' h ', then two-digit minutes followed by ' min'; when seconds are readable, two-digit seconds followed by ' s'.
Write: 5 h 46 min
